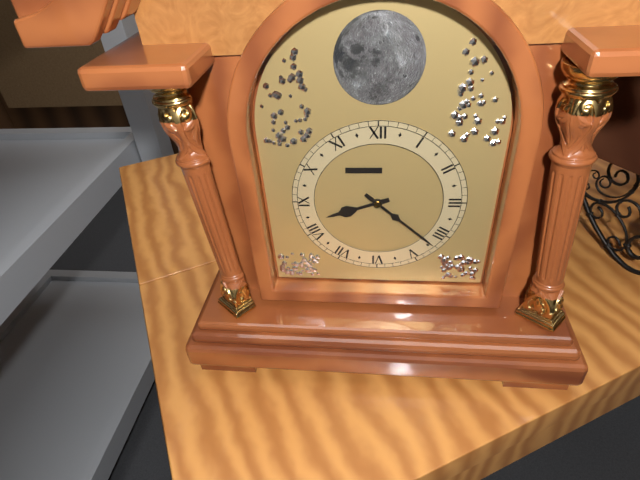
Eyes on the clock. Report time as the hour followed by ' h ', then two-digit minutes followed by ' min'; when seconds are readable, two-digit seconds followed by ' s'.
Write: 8 h 22 min
